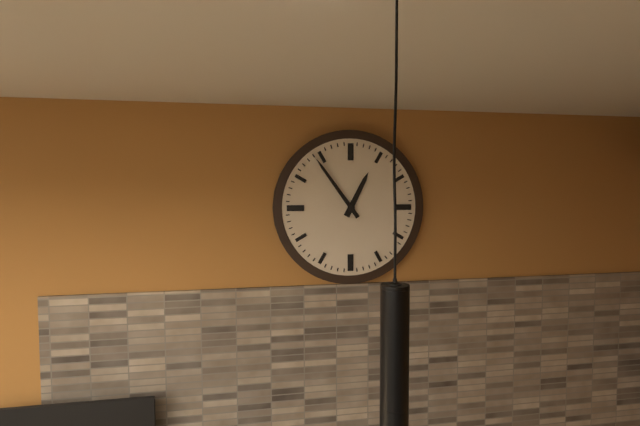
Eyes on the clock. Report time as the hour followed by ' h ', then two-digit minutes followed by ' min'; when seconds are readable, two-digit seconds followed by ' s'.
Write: 12 h 54 min
